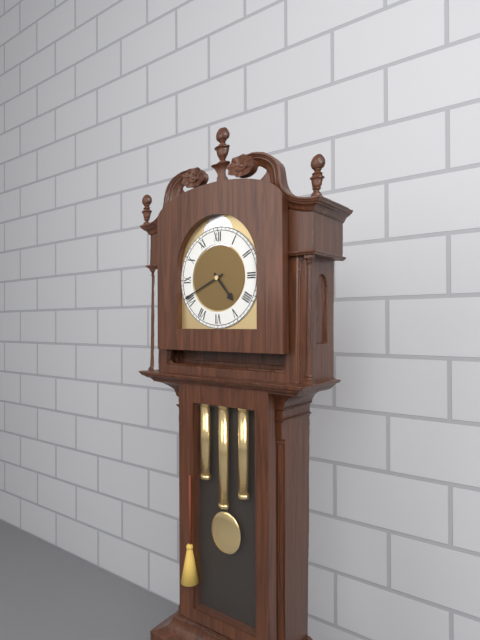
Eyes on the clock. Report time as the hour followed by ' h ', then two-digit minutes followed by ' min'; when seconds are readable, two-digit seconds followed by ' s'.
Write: 4 h 41 min
